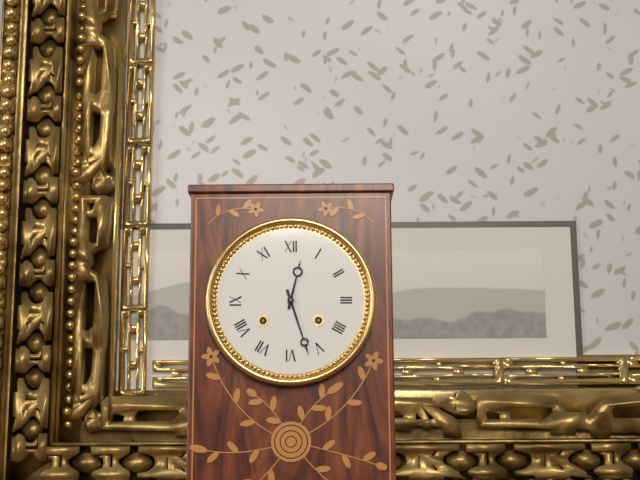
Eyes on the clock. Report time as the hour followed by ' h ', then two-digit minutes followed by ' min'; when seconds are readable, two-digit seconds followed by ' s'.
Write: 12 h 27 min
